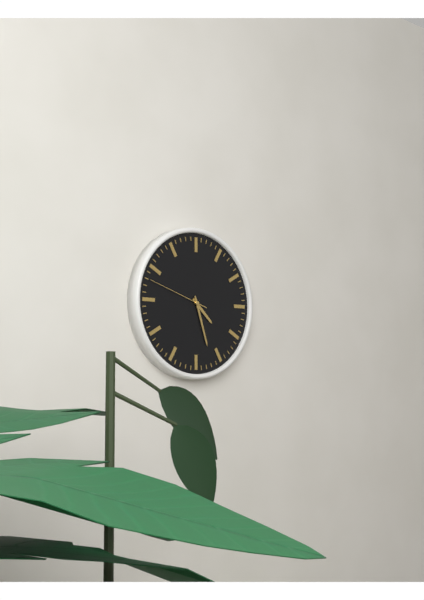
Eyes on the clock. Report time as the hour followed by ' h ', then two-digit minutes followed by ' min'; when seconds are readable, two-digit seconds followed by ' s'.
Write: 4 h 27 min 48 s
